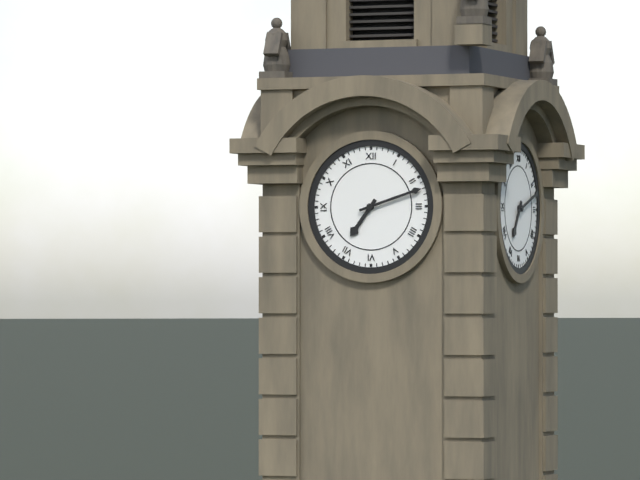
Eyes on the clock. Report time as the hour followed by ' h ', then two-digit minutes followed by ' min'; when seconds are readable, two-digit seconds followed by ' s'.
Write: 7 h 12 min
